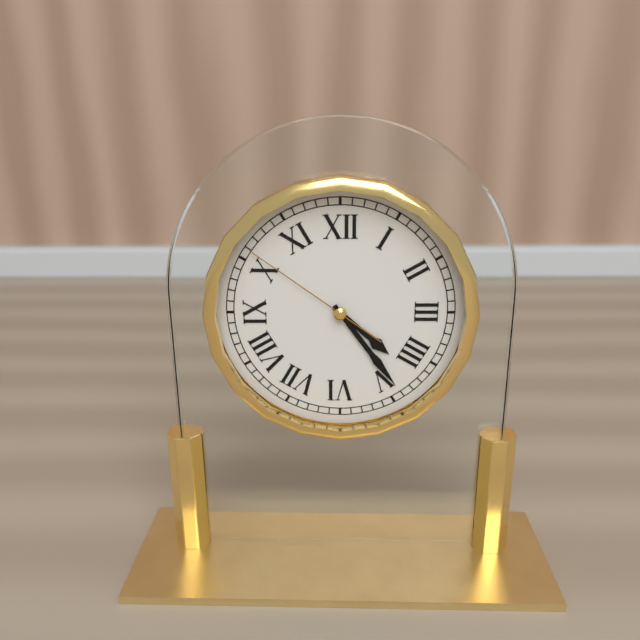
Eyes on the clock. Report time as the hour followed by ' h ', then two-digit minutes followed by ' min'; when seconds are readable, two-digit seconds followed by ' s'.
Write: 4 h 24 min 51 s
